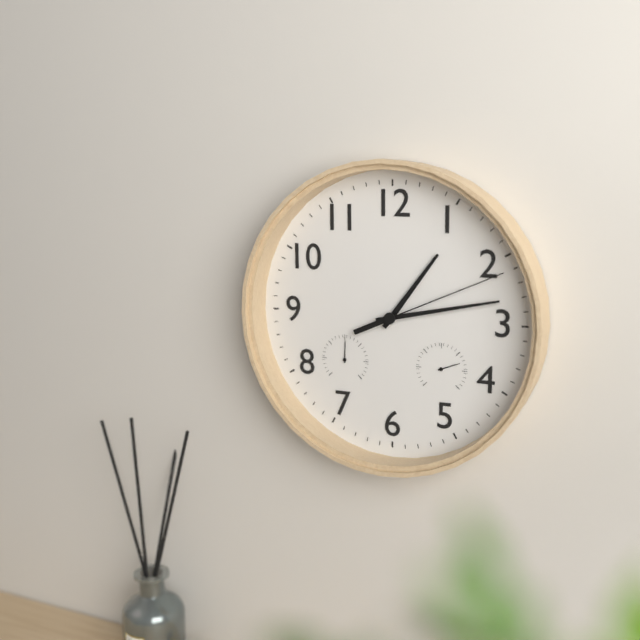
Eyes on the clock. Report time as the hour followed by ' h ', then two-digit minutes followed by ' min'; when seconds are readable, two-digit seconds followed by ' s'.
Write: 1 h 13 min 11 s
